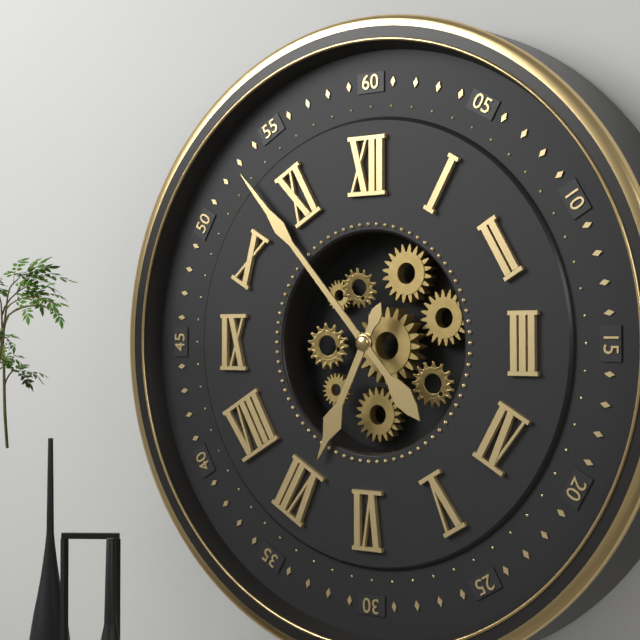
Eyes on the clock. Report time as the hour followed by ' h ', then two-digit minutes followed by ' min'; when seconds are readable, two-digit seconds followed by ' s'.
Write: 6 h 53 min
